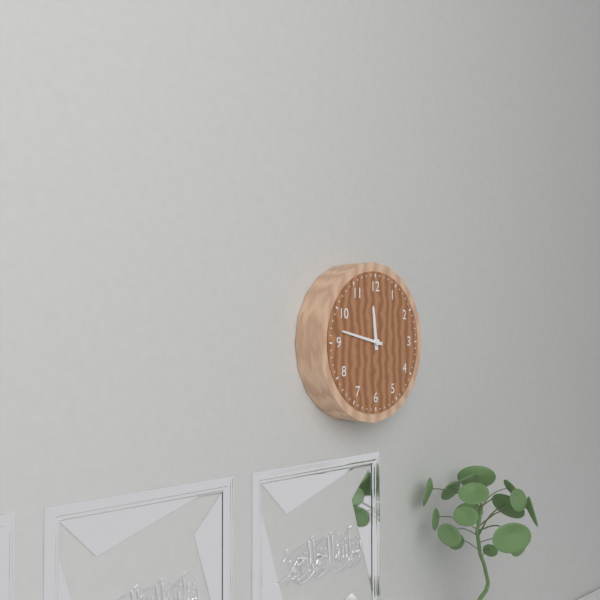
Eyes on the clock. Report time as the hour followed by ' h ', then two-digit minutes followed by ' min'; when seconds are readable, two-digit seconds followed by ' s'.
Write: 11 h 47 min
